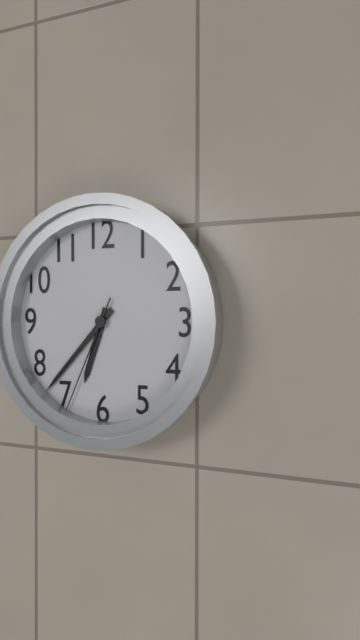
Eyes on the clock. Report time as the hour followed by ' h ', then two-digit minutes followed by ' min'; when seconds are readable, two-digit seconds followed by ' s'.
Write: 6 h 37 min 34 s
